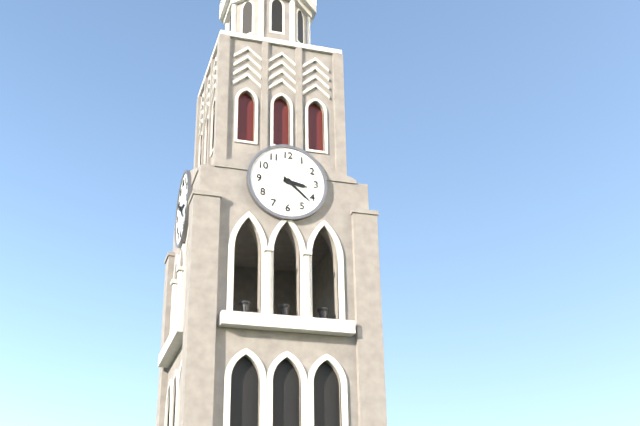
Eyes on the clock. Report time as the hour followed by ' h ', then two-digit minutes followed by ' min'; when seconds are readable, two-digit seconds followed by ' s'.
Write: 3 h 22 min
